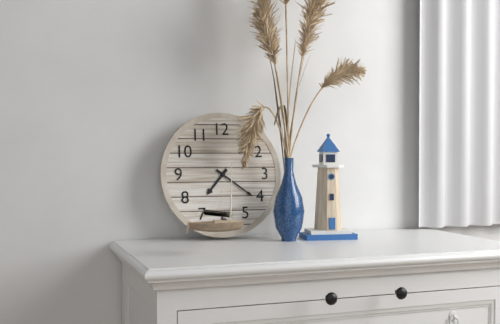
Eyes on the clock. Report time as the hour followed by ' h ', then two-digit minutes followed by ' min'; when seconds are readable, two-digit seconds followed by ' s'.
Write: 7 h 21 min
